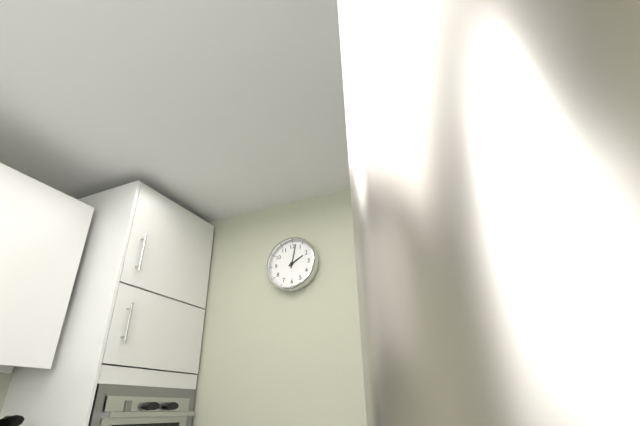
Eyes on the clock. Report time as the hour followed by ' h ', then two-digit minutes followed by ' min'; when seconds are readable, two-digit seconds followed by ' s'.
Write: 2 h 02 min
